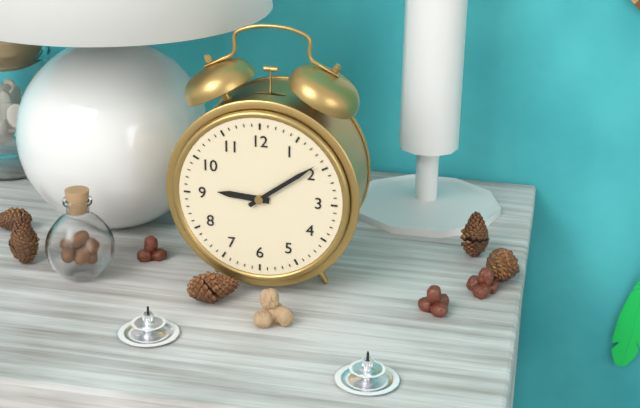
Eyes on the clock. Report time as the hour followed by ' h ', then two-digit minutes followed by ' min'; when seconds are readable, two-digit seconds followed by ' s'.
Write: 9 h 09 min
